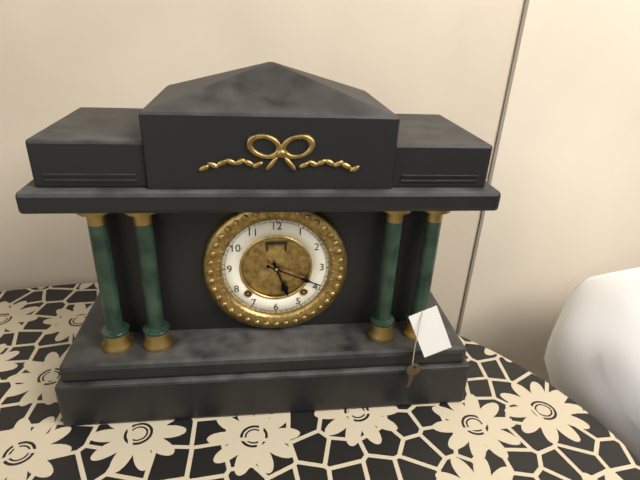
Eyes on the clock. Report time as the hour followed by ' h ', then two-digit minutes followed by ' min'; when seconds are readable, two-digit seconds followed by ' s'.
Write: 5 h 19 min
